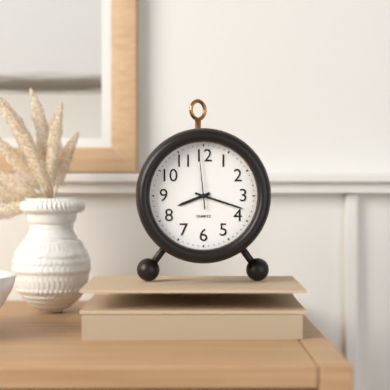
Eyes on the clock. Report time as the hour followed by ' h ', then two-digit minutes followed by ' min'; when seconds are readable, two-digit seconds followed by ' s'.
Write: 8 h 18 min 59 s
